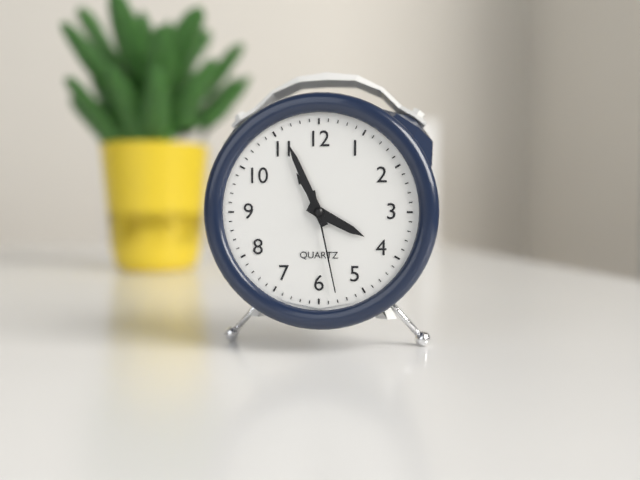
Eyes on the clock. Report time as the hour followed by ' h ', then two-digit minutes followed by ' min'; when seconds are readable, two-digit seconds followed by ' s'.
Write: 3 h 56 min 28 s
